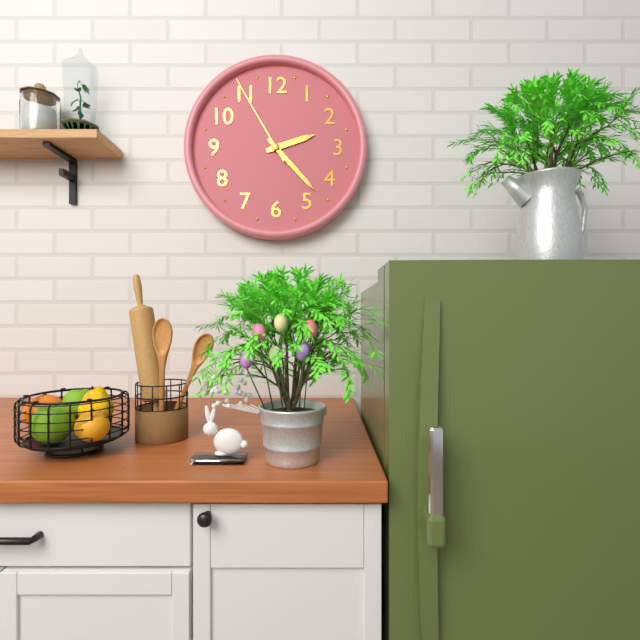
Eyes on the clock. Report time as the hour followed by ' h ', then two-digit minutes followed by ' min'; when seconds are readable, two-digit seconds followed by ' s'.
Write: 2 h 23 min 55 s
